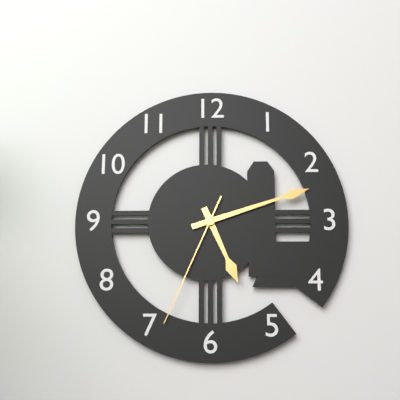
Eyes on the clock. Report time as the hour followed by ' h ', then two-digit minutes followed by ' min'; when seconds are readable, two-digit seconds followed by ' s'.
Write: 5 h 12 min 34 s
